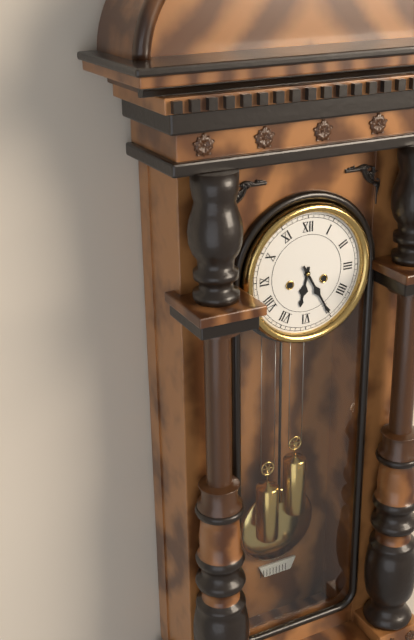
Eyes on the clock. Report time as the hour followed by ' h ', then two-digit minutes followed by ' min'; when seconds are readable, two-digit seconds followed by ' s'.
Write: 6 h 25 min
